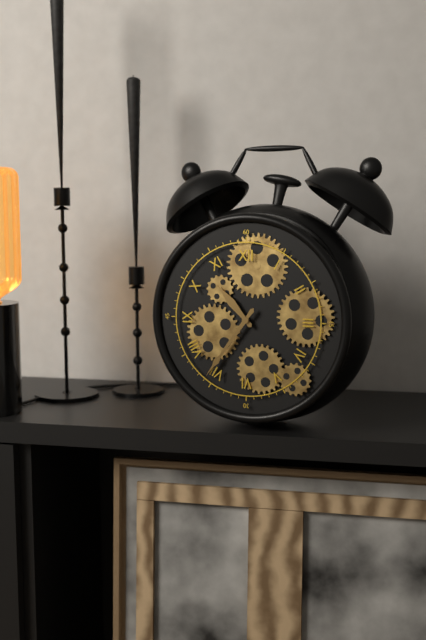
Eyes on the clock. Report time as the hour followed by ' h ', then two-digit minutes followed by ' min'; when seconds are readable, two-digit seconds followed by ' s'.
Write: 10 h 36 min
